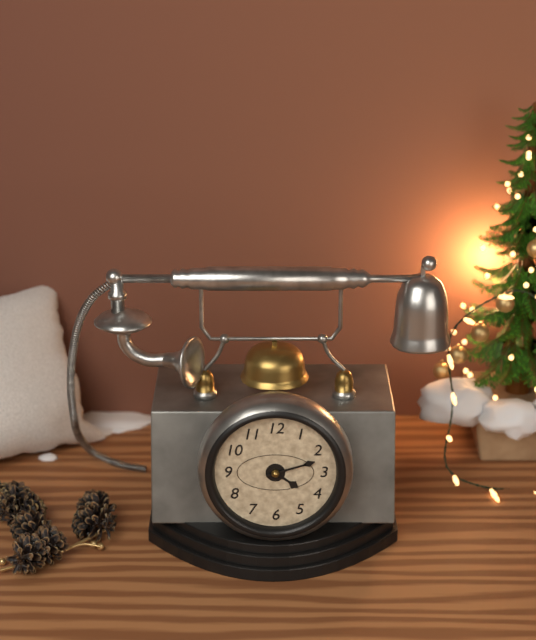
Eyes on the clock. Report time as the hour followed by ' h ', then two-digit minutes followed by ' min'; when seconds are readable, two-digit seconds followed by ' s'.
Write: 4 h 12 min
